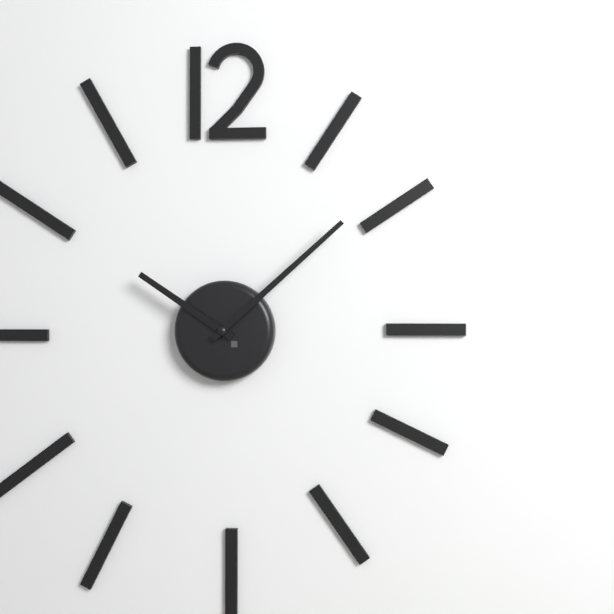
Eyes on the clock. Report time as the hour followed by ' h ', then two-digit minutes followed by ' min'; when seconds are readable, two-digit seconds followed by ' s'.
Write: 10 h 08 min
